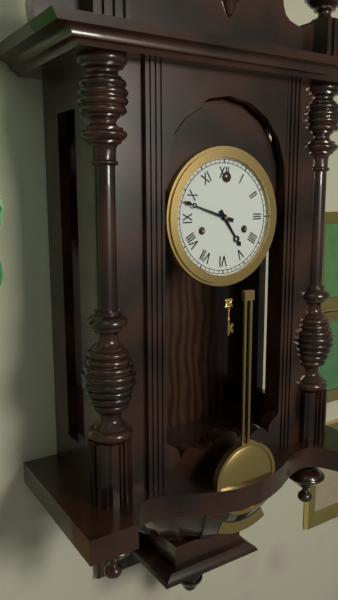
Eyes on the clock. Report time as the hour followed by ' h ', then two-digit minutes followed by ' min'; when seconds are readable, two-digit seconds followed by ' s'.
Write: 4 h 48 min
